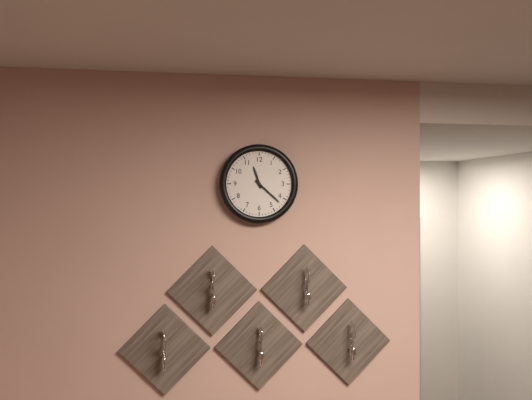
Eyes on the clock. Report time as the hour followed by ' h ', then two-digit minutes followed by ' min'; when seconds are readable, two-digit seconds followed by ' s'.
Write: 11 h 22 min
